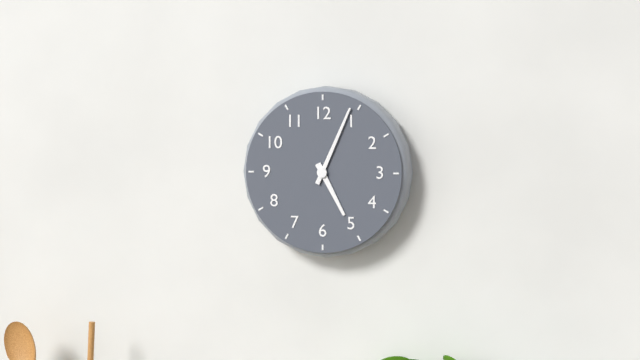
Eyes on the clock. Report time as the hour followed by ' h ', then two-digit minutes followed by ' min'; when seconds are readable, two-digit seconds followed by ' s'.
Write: 5 h 04 min
